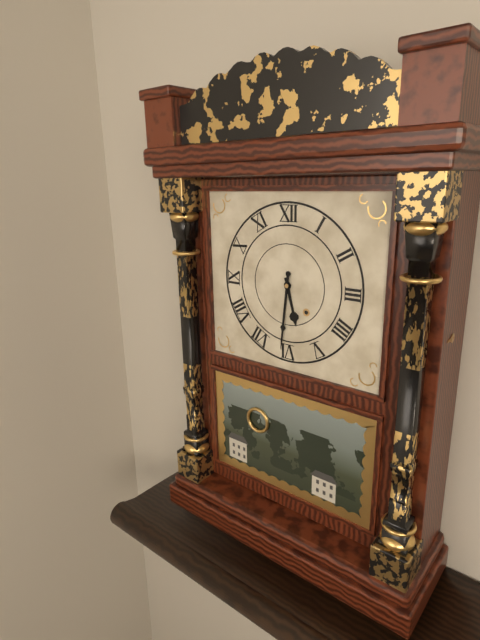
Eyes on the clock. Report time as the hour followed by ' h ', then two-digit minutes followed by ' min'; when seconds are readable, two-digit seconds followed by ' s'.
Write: 5 h 31 min
